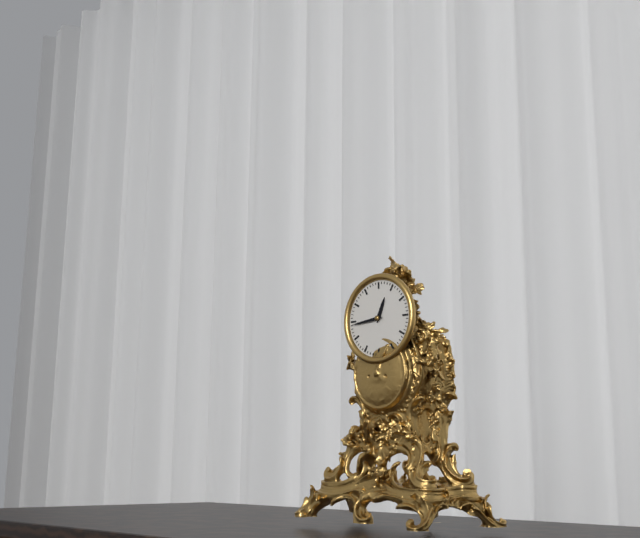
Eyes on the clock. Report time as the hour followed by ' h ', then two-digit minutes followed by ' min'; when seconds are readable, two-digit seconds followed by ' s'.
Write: 12 h 44 min
